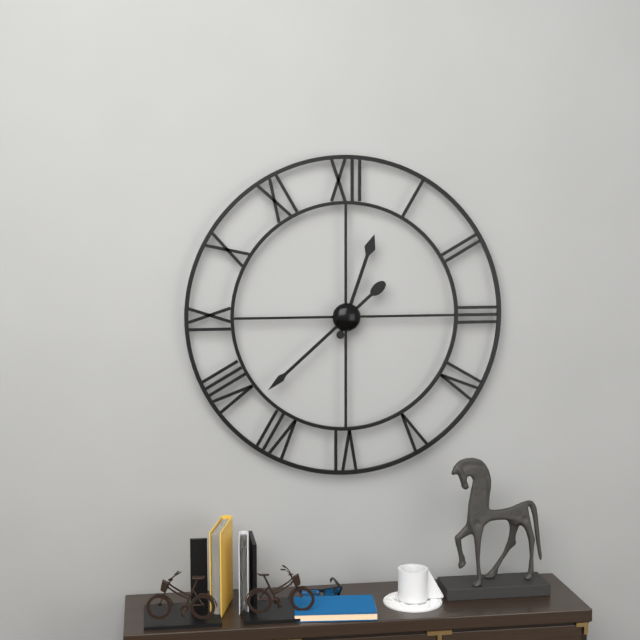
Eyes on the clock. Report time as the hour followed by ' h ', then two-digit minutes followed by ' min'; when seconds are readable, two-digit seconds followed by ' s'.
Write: 12 h 38 min
